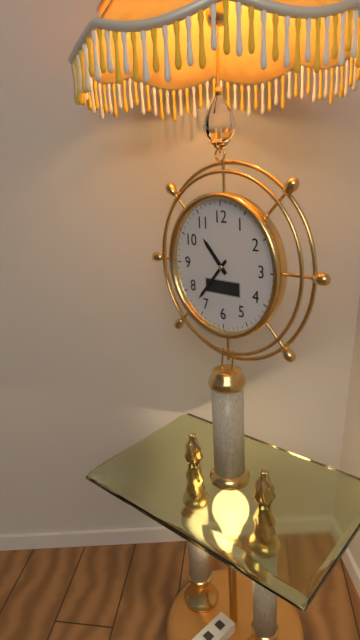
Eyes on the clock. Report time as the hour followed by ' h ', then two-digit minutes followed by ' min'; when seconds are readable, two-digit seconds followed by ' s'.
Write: 10 h 37 min
